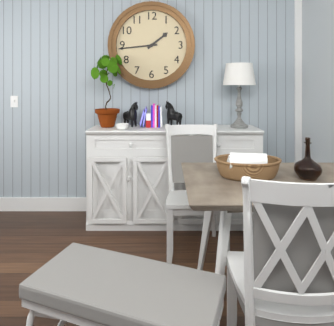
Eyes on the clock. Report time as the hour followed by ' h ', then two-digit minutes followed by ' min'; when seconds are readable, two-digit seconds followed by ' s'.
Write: 1 h 44 min
